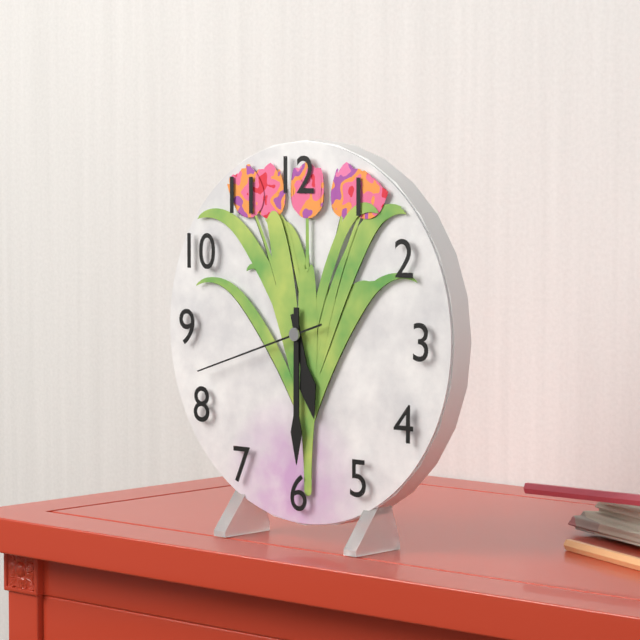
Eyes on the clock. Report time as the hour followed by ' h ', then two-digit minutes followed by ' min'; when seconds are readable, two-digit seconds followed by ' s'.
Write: 5 h 30 min 42 s
